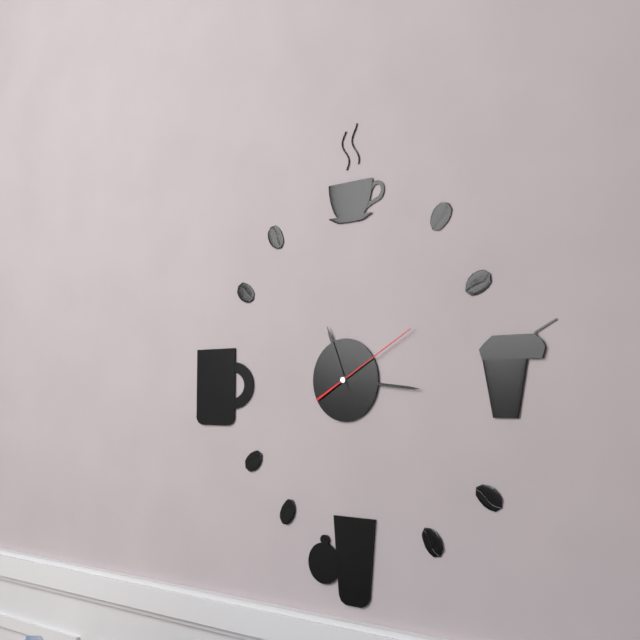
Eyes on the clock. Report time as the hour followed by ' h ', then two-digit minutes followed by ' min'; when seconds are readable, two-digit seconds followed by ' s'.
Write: 11 h 16 min 10 s
